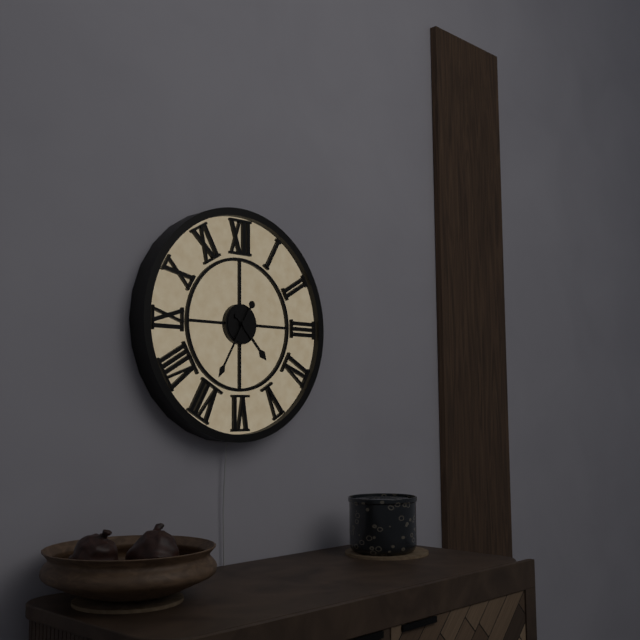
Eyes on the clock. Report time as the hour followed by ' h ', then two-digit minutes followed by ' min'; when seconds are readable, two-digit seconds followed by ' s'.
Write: 4 h 35 min
